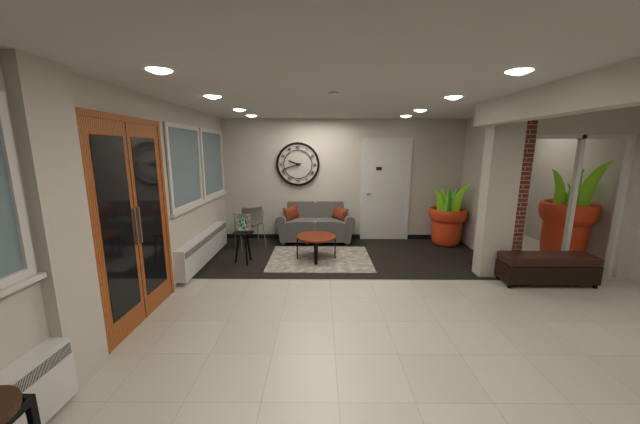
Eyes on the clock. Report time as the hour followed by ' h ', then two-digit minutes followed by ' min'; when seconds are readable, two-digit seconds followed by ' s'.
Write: 9 h 42 min
